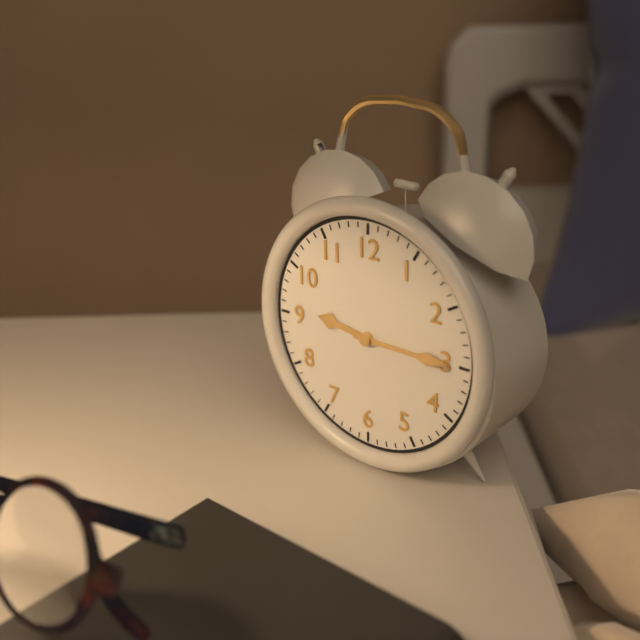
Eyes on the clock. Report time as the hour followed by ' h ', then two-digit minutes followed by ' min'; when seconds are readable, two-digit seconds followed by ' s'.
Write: 9 h 15 min
